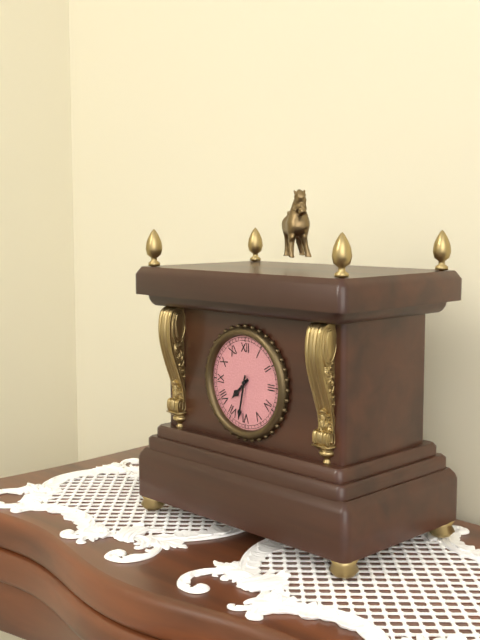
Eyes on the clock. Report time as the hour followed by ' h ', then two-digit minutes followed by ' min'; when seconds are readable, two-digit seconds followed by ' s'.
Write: 7 h 32 min
